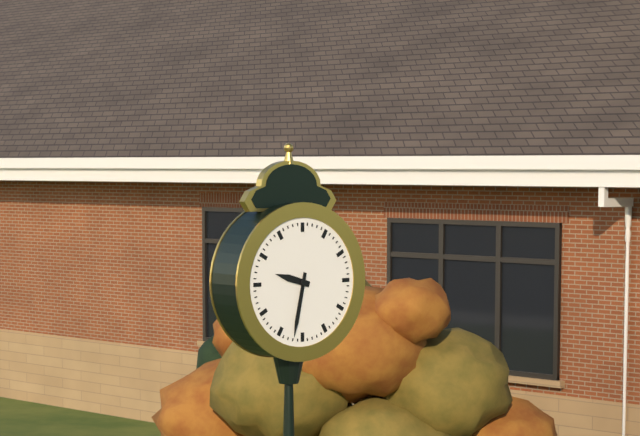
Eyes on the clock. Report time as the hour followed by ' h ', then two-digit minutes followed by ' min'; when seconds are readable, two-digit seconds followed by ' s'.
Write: 9 h 32 min
